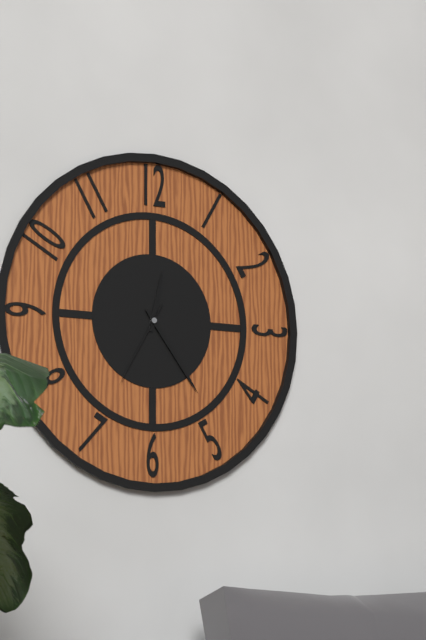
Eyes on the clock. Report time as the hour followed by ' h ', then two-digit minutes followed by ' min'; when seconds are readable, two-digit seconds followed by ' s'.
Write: 12 h 24 min 35 s
